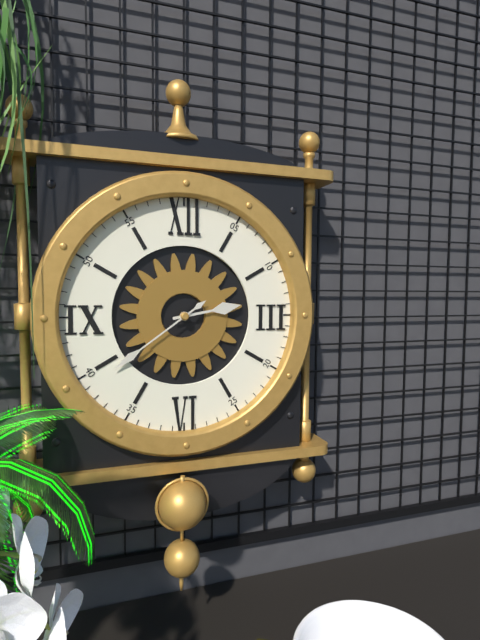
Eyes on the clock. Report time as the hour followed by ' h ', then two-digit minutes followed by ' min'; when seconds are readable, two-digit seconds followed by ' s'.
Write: 2 h 39 min
